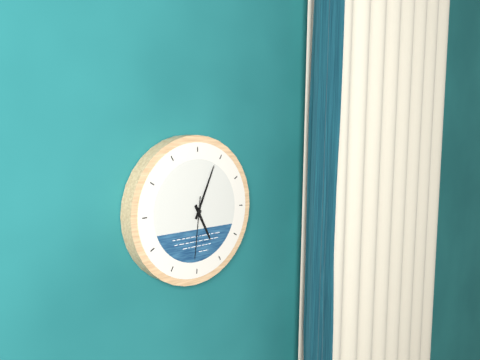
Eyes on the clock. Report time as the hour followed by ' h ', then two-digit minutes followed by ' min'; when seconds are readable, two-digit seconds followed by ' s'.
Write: 5 h 04 min 31 s
